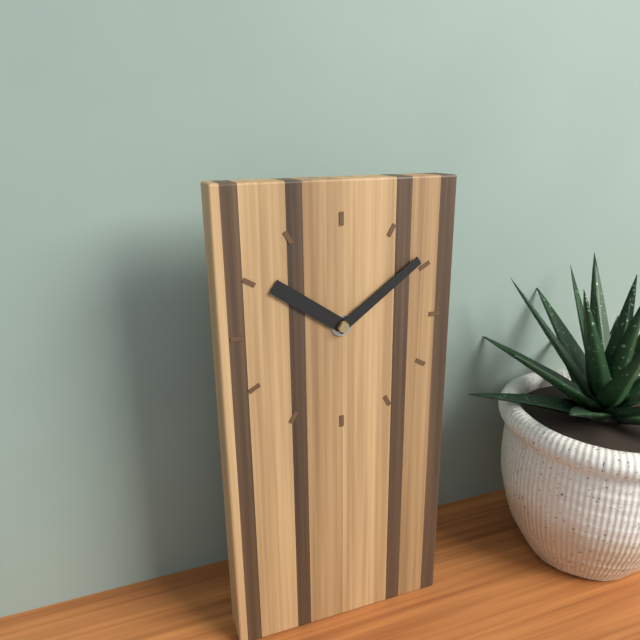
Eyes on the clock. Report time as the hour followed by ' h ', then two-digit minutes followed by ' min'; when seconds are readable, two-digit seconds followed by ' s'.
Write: 10 h 09 min
